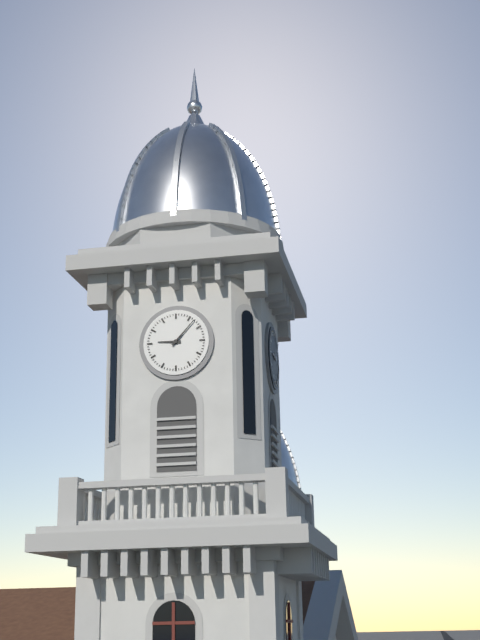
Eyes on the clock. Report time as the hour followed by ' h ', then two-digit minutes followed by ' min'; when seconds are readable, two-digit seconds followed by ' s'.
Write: 9 h 07 min
